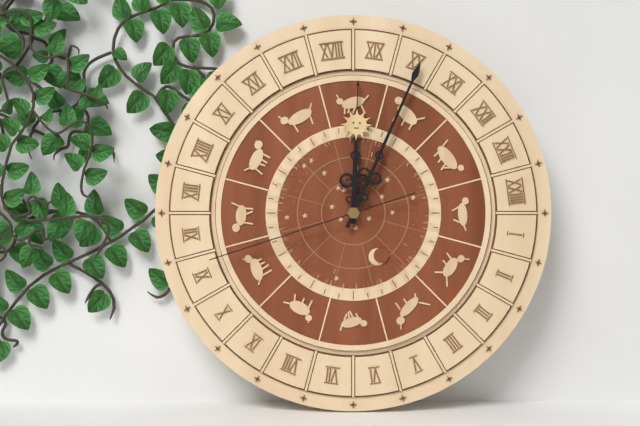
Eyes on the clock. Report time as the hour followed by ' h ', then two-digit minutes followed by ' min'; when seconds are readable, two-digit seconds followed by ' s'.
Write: 12 h 04 min 42 s
